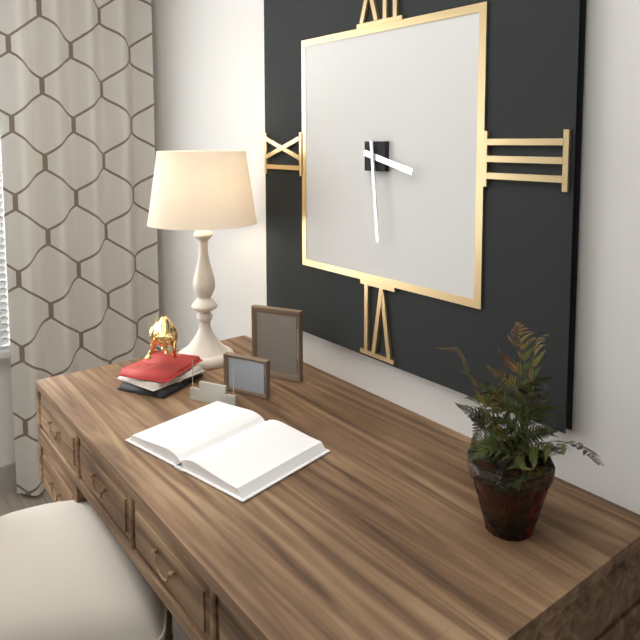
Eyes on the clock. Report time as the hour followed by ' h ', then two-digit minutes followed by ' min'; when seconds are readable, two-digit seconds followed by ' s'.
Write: 3 h 29 min
